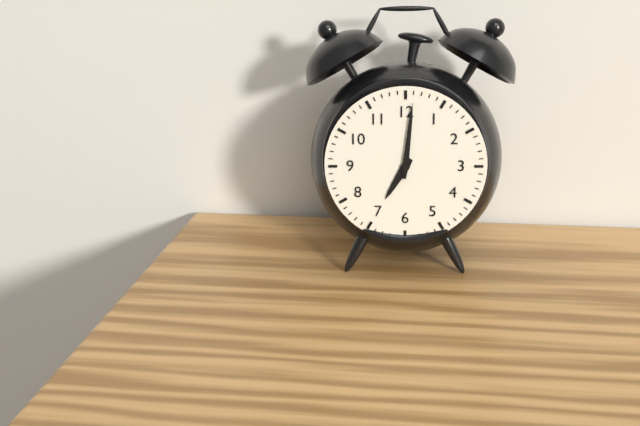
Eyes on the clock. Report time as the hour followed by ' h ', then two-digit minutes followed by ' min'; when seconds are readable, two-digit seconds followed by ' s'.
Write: 7 h 01 min
